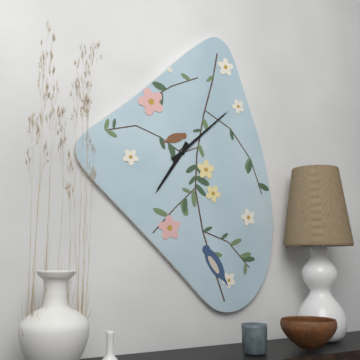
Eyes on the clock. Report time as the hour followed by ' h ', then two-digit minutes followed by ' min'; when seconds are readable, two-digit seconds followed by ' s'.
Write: 7 h 08 min
